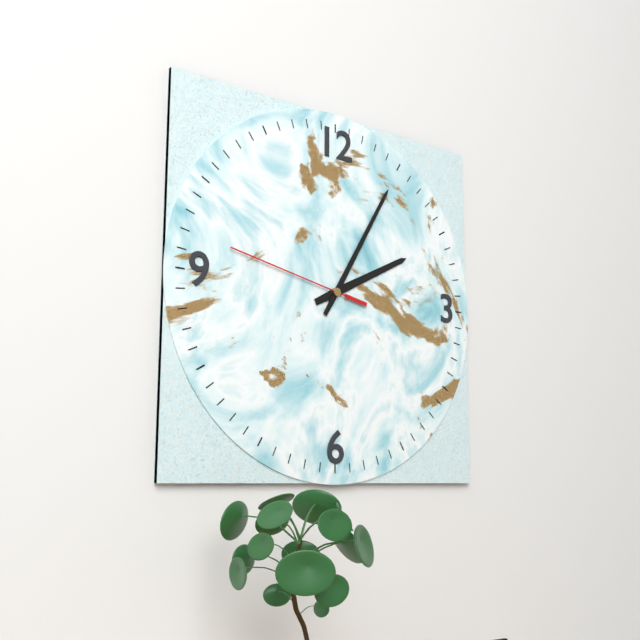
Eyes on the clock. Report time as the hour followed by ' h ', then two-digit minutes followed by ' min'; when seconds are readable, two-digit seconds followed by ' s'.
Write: 2 h 05 min 47 s
